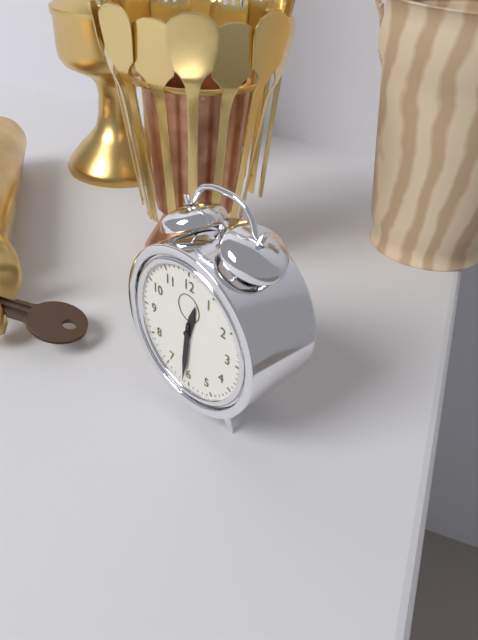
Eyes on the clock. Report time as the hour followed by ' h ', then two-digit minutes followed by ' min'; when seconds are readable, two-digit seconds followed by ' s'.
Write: 12 h 31 min
